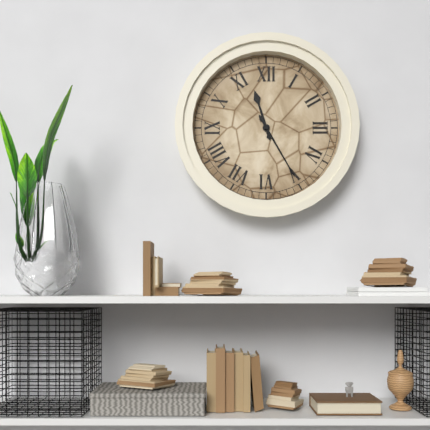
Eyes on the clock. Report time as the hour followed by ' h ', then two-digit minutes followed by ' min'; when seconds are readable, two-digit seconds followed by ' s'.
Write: 11 h 25 min
